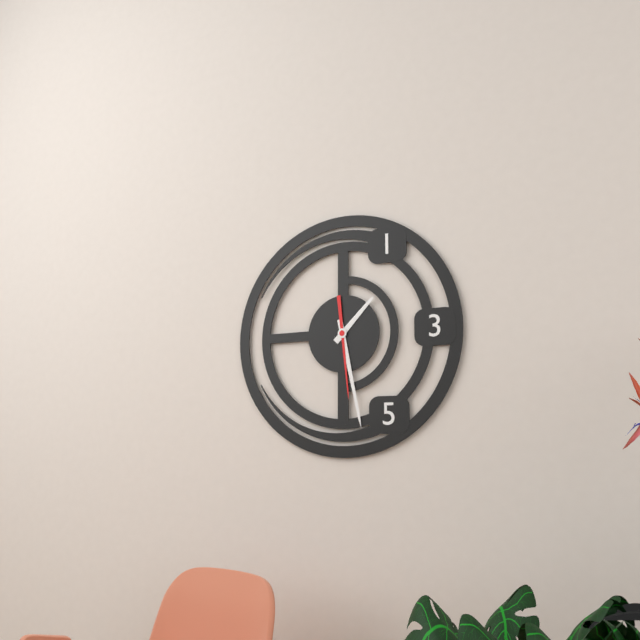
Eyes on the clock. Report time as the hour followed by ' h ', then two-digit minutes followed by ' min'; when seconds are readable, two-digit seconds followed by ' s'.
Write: 1 h 28 min 29 s
